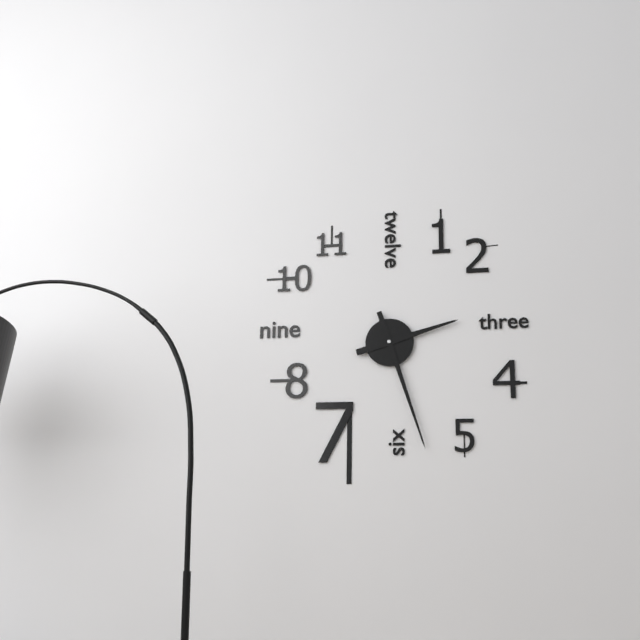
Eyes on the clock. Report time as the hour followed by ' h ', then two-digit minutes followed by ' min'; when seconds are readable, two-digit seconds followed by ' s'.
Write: 2 h 27 min
